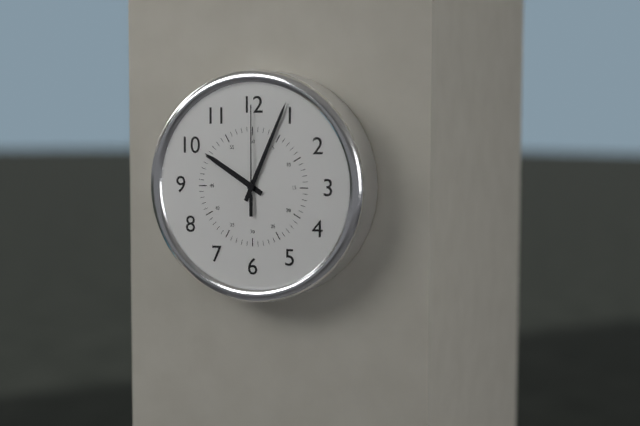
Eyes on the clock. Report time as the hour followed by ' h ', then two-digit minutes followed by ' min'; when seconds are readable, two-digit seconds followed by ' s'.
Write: 10 h 04 min 00 s
